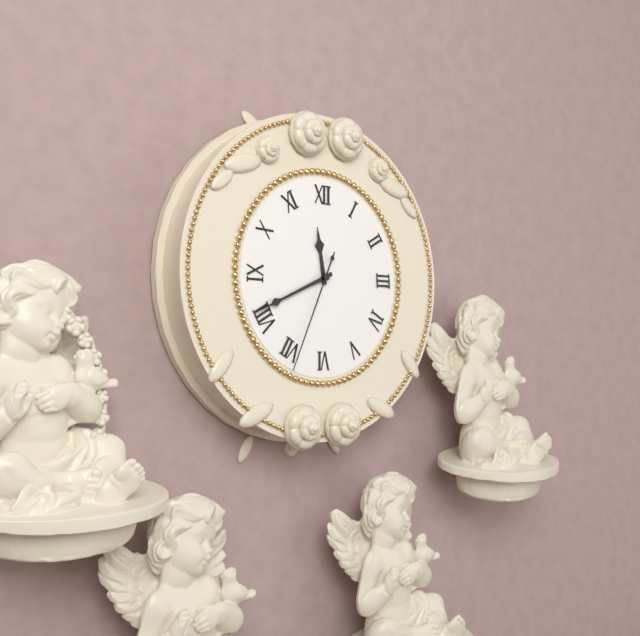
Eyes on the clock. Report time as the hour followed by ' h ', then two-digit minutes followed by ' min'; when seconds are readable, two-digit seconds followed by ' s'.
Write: 11 h 41 min 34 s
